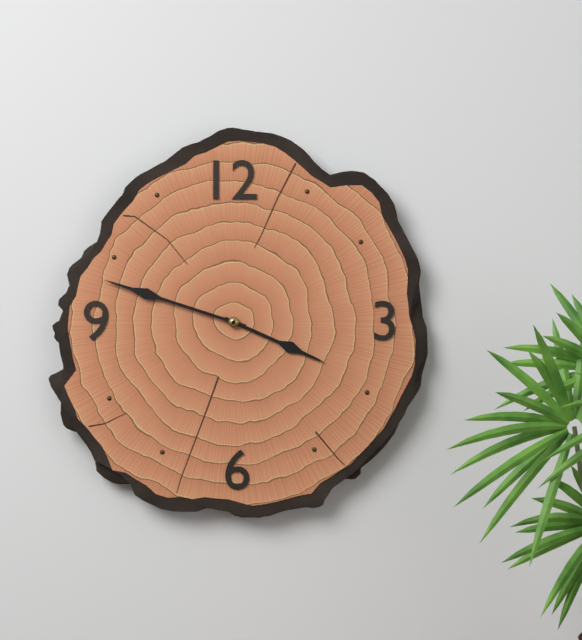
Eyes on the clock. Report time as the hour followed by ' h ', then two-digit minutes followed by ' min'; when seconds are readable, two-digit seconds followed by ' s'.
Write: 3 h 48 min
